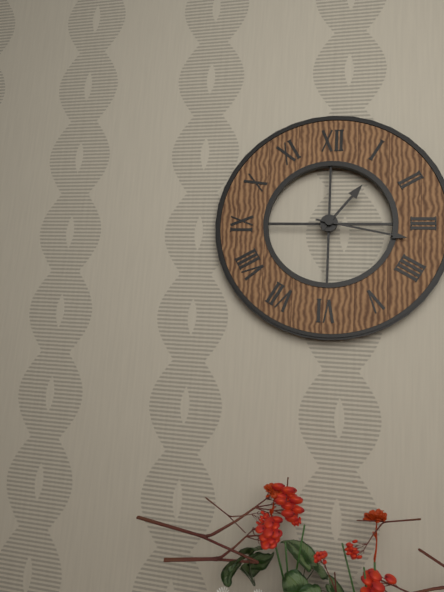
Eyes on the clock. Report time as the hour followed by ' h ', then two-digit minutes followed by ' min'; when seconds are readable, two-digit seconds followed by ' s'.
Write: 1 h 17 min
